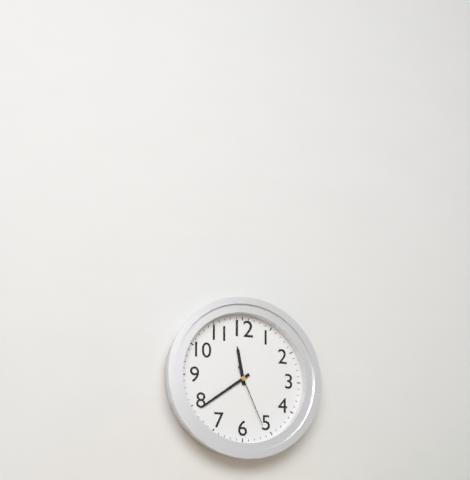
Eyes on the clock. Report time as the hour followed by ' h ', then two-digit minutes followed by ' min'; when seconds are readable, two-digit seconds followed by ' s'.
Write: 11 h 39 min 26 s
